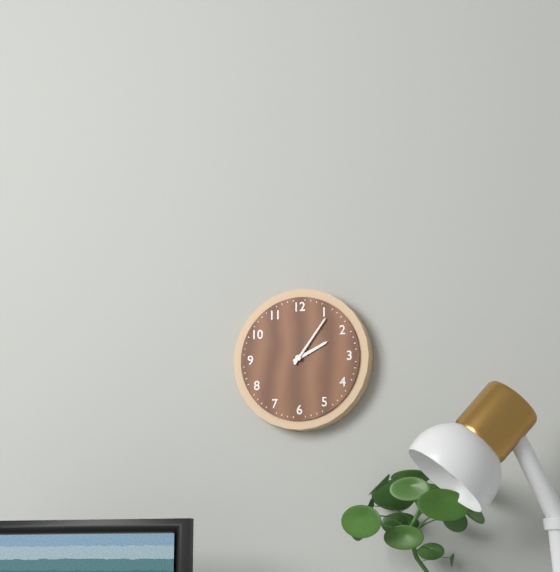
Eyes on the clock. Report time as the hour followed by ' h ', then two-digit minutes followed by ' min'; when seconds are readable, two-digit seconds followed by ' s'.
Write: 2 h 06 min
